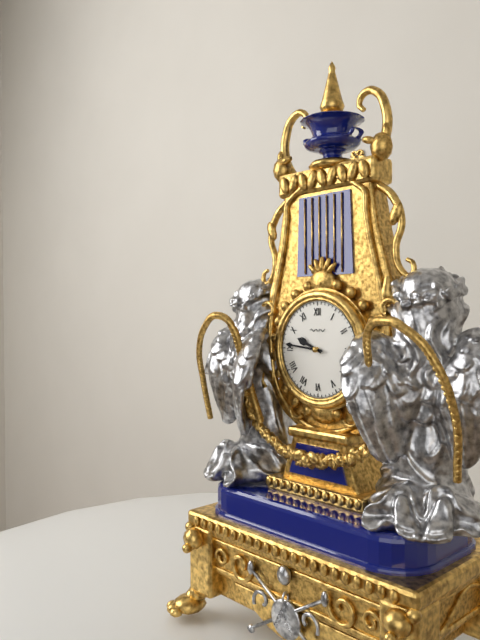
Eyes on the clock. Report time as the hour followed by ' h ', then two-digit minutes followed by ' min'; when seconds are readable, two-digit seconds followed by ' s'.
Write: 9 h 46 min
